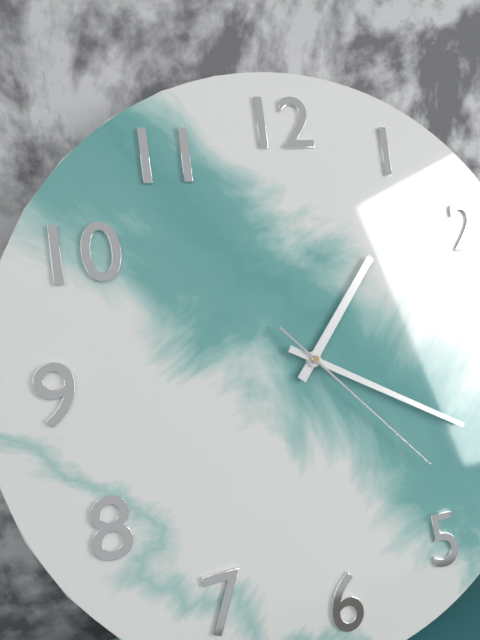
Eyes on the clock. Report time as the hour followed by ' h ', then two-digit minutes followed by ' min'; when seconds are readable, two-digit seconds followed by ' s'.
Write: 1 h 20 min 23 s
